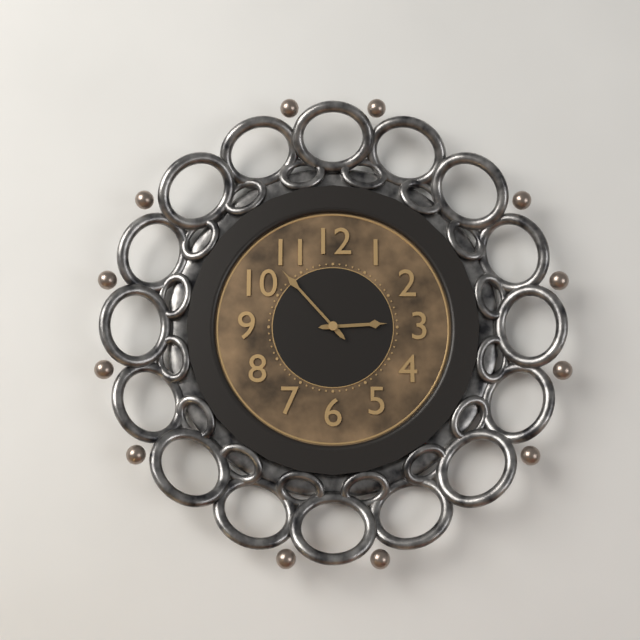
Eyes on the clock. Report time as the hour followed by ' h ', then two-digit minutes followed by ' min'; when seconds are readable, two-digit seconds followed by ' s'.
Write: 2 h 53 min
